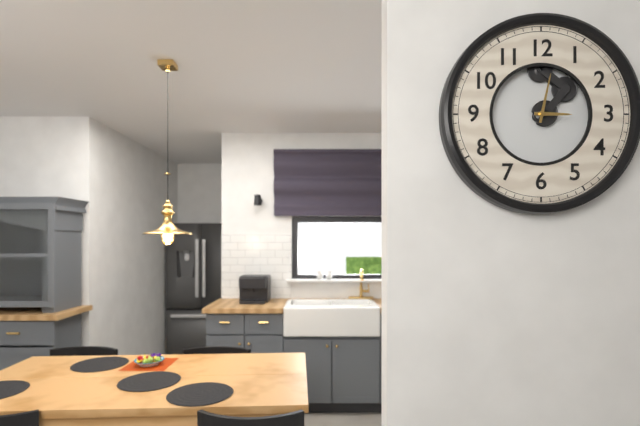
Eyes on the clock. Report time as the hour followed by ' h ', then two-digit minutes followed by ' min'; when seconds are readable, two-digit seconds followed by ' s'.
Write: 3 h 02 min
